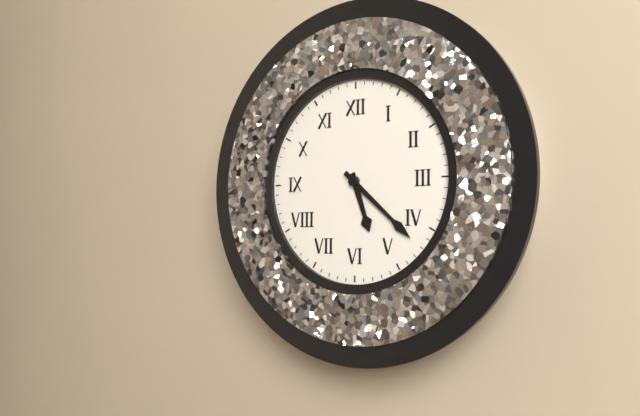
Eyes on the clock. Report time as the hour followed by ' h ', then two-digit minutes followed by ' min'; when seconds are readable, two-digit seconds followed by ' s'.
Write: 5 h 22 min
